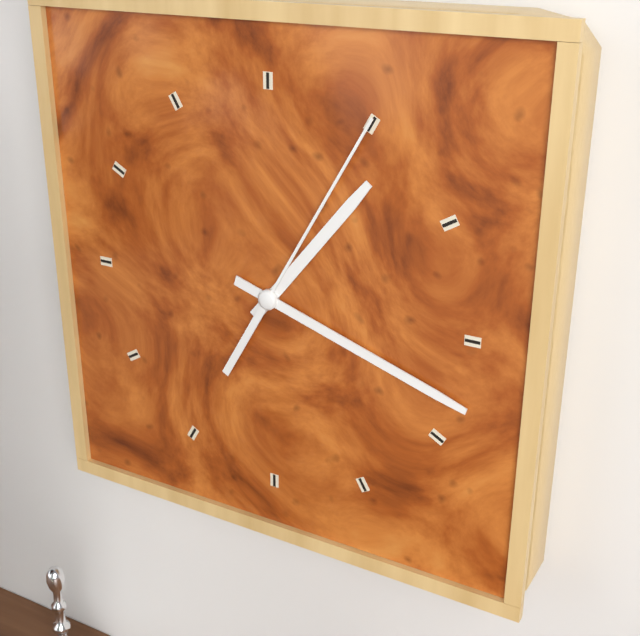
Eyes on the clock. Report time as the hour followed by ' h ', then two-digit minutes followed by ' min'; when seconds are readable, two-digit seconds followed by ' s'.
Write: 1 h 18 min 05 s
